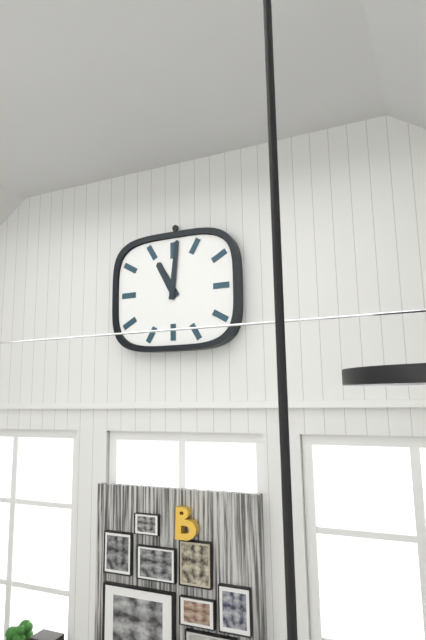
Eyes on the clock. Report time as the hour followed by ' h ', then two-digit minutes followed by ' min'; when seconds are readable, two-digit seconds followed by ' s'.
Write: 11 h 01 min
